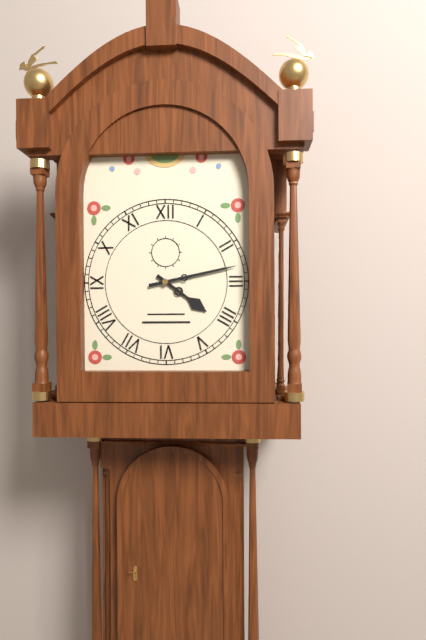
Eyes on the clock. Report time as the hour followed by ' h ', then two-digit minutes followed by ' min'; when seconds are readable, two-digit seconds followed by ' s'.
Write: 4 h 13 min
